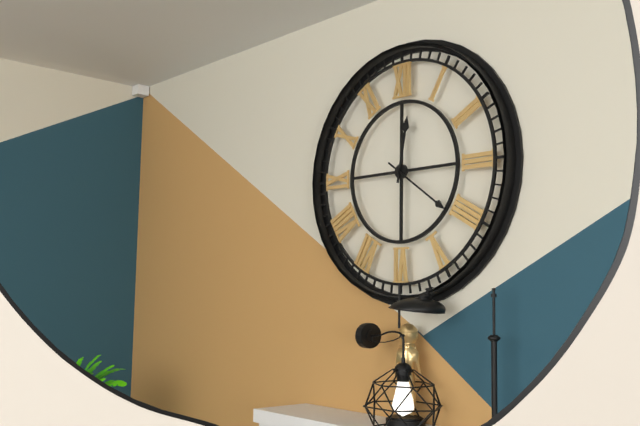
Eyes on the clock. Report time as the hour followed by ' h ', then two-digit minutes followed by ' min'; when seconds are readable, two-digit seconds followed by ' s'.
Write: 12 h 21 min
